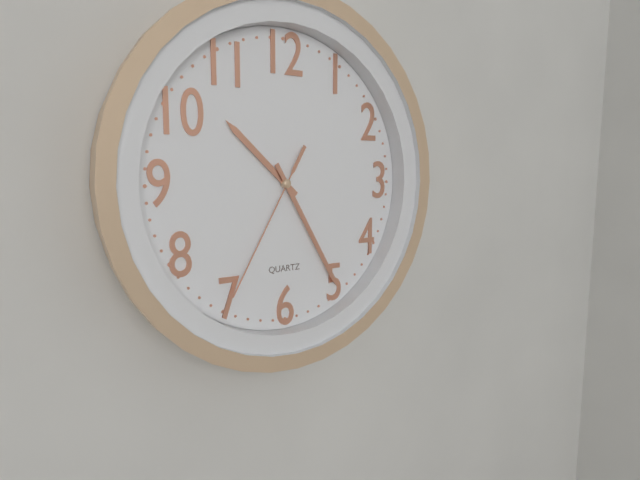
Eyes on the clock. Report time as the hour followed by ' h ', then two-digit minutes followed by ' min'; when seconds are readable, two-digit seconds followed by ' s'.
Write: 10 h 25 min 35 s
